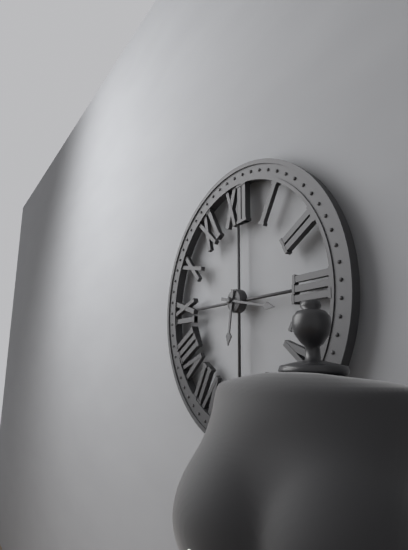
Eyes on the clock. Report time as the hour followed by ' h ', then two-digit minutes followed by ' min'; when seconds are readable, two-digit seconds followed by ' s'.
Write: 6 h 17 min
